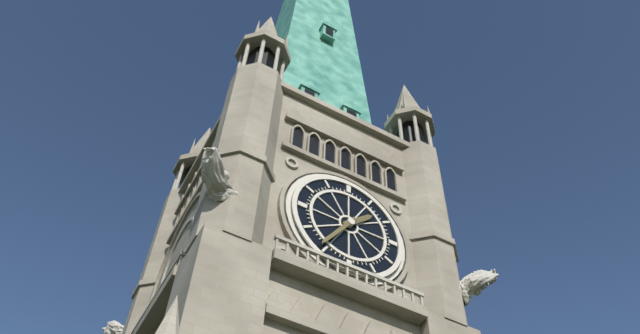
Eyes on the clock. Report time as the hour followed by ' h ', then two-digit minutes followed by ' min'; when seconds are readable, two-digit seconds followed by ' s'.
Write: 1 h 36 min
